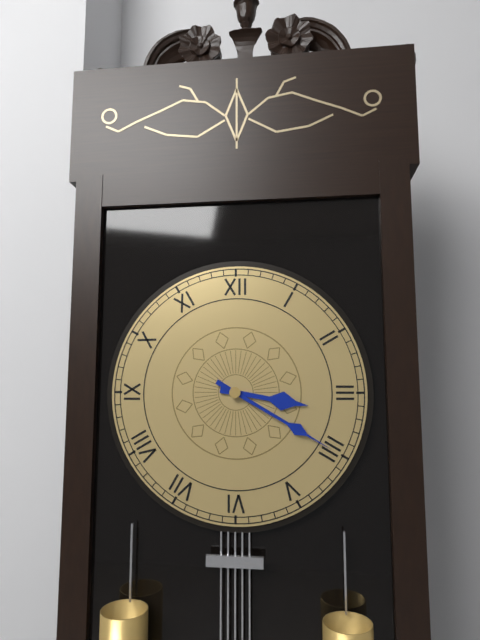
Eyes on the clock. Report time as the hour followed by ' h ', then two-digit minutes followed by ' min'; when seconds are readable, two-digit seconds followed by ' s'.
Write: 3 h 20 min
